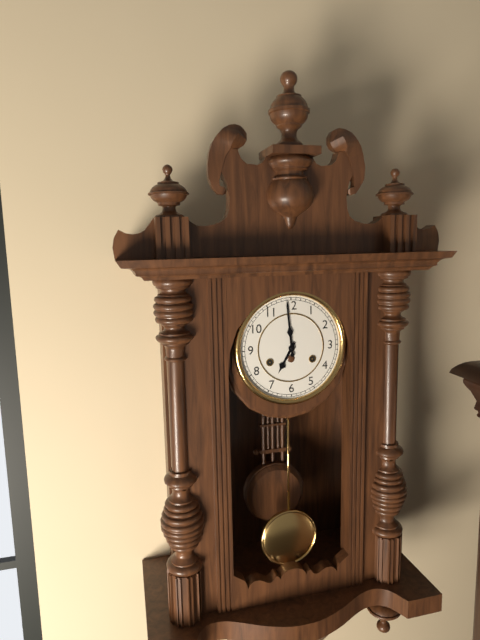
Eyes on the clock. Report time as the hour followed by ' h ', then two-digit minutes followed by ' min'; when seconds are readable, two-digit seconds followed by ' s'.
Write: 6 h 59 min
